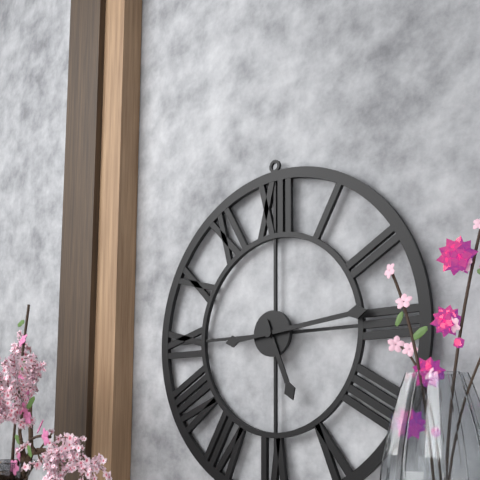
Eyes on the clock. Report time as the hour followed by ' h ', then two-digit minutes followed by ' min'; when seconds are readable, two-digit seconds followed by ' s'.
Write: 5 h 14 min
